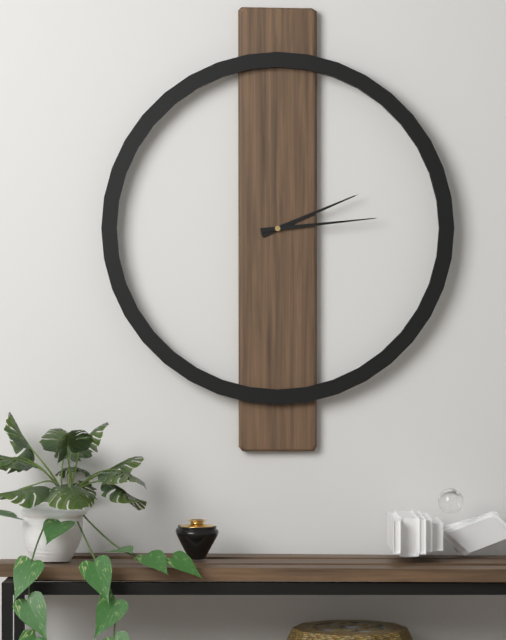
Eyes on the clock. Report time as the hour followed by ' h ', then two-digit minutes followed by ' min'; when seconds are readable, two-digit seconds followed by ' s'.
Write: 2 h 14 min
